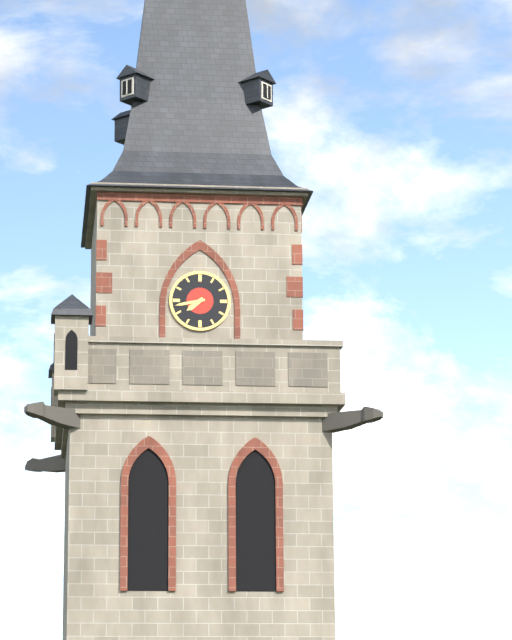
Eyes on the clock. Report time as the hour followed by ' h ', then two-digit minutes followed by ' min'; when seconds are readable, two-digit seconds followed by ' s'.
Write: 7 h 43 min
